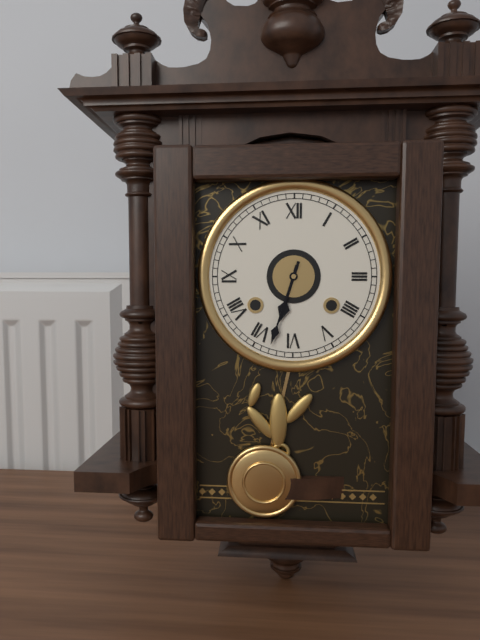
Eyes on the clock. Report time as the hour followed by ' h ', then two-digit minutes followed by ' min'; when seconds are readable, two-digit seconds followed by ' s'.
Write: 6 h 33 min
